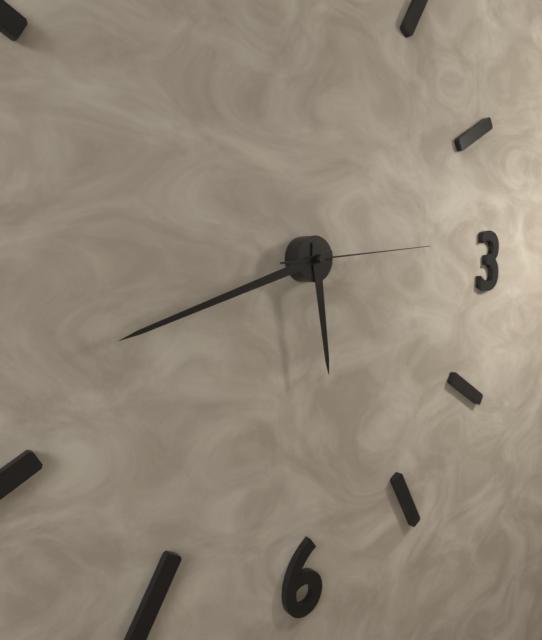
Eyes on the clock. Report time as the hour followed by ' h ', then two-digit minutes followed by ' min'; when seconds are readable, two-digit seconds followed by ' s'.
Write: 5 h 42 min 14 s
